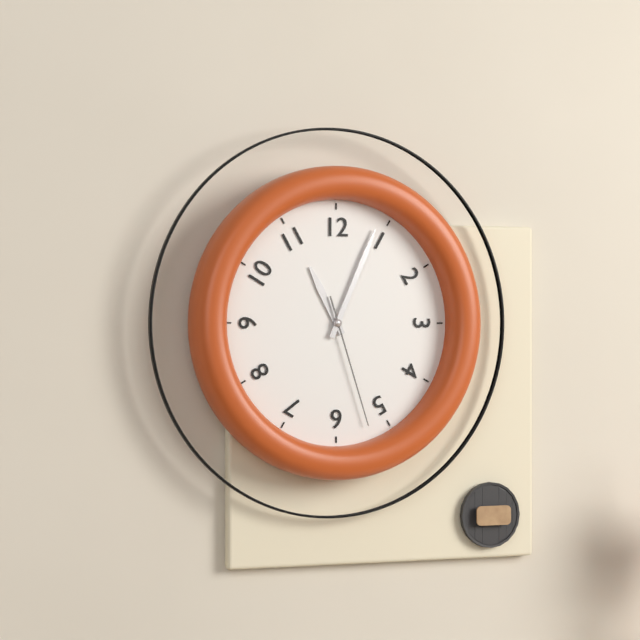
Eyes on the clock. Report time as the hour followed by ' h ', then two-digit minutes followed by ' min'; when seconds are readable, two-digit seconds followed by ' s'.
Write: 11 h 04 min 27 s
